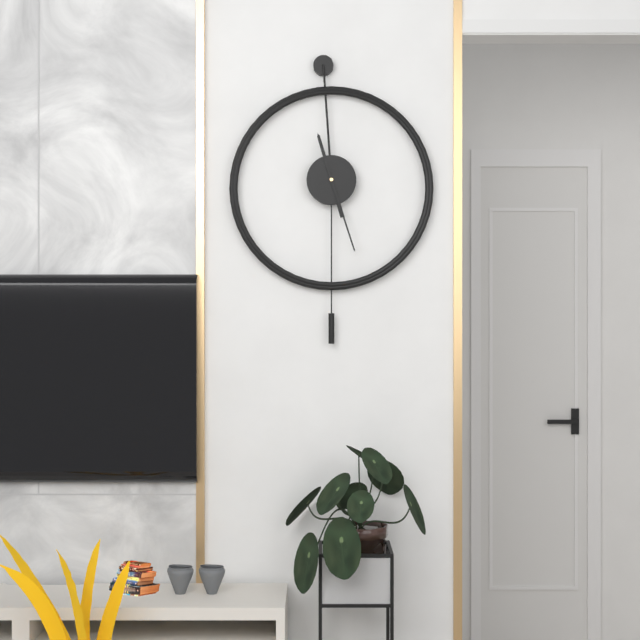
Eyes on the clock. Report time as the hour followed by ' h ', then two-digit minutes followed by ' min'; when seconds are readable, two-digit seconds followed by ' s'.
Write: 11 h 27 min
